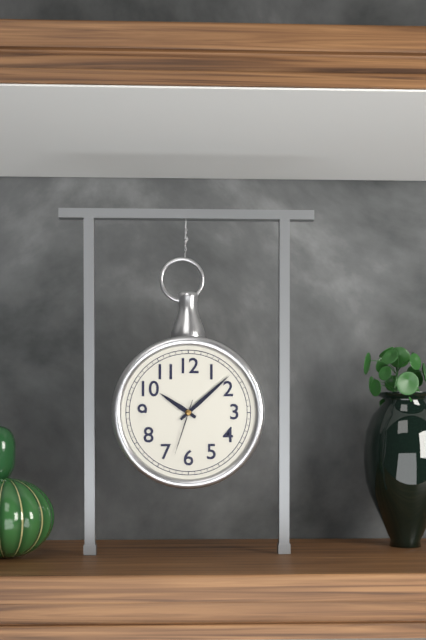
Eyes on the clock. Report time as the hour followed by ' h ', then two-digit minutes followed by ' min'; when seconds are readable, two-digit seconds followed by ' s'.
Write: 10 h 08 min 33 s
